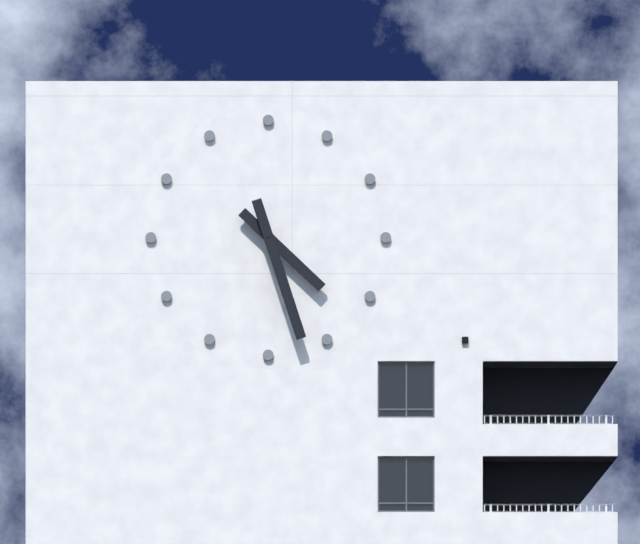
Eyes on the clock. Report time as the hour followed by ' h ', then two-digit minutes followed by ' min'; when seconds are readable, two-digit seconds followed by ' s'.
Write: 4 h 27 min
